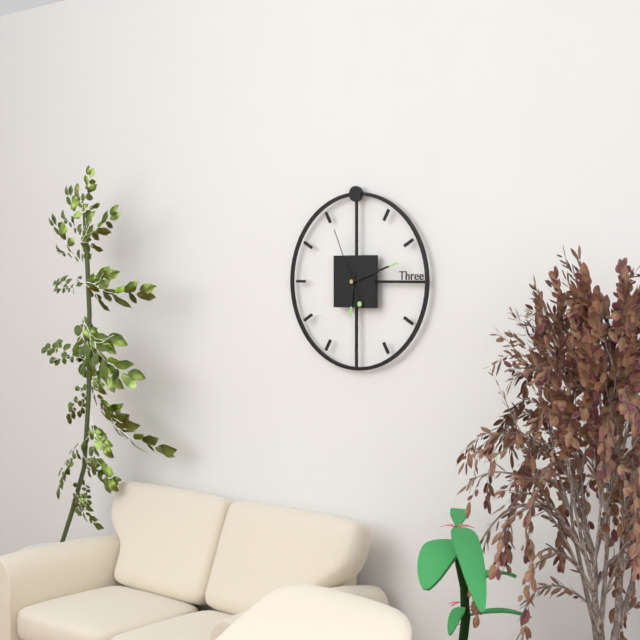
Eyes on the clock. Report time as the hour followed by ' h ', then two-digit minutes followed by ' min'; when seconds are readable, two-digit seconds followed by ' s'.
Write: 6 h 12 min 56 s
